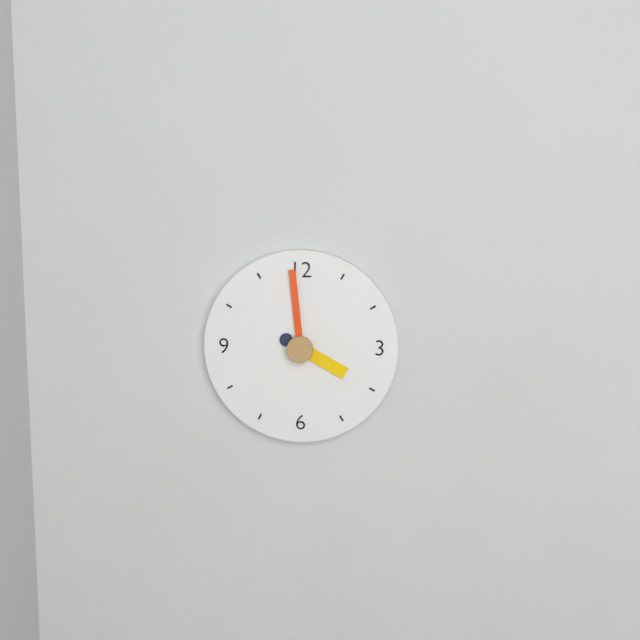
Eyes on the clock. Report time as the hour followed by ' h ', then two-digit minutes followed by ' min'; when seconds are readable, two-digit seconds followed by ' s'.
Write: 3 h 59 min
